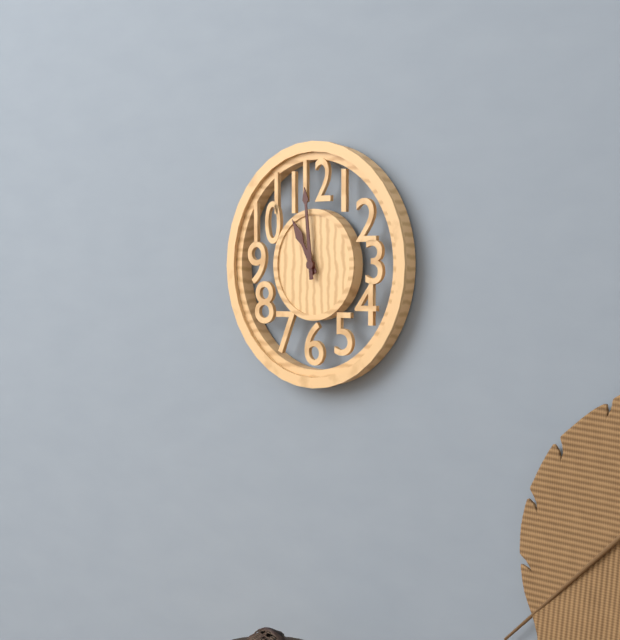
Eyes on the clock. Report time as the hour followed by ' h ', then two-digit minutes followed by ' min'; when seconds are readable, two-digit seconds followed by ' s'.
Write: 10 h 59 min
